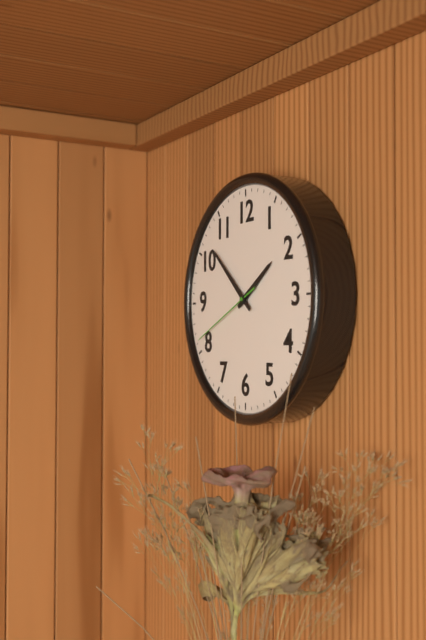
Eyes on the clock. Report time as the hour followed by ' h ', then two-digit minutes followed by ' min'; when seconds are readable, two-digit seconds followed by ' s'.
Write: 1 h 52 min 41 s
